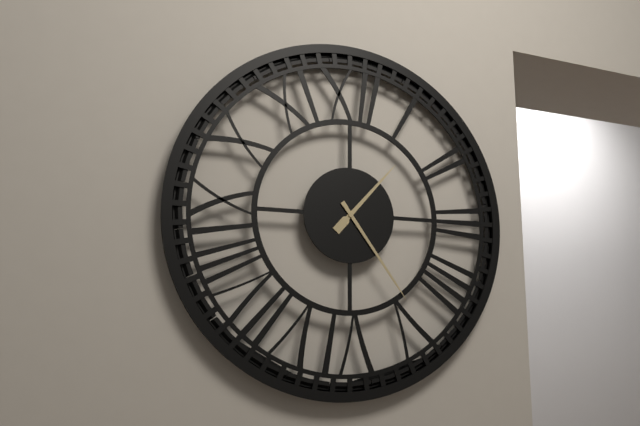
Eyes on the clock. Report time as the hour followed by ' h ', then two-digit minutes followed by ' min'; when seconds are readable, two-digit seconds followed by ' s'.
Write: 1 h 24 min
